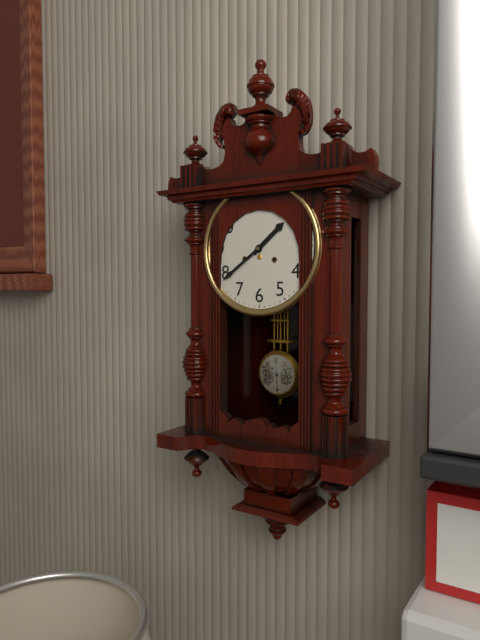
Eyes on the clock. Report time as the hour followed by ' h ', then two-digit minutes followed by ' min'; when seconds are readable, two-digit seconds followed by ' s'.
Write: 1 h 39 min
